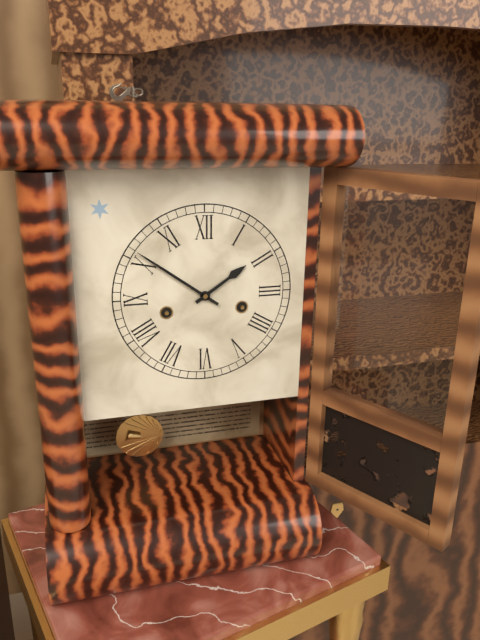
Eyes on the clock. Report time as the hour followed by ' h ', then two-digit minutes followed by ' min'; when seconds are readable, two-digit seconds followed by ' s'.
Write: 1 h 51 min
